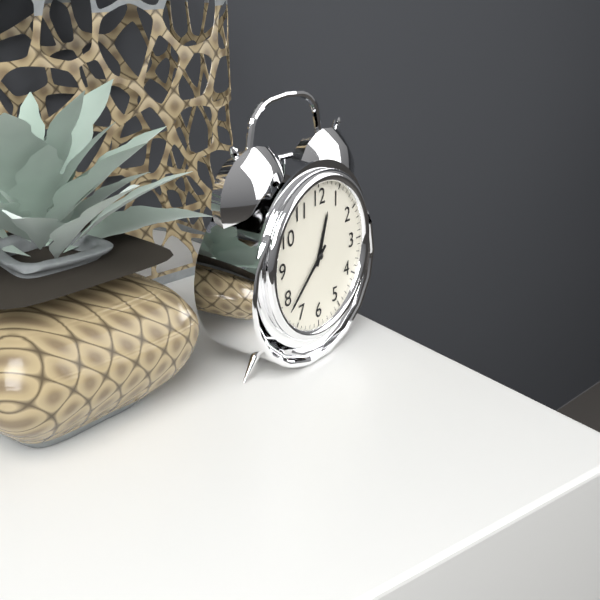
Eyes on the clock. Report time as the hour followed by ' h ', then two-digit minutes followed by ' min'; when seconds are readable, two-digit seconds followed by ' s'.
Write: 12 h 38 min
